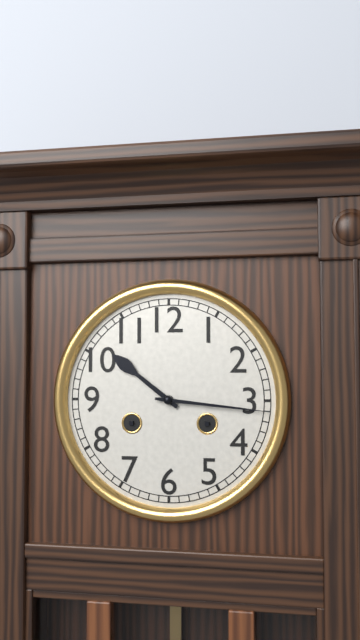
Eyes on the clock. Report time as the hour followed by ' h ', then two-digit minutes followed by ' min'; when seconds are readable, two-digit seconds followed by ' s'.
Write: 10 h 16 min
